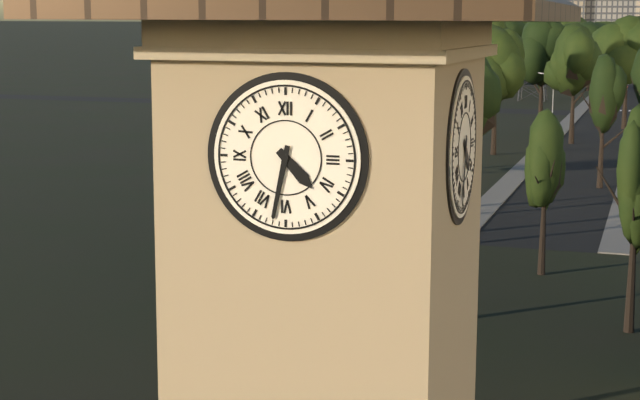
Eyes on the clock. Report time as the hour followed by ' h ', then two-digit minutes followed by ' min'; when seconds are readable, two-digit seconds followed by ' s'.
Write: 4 h 32 min
